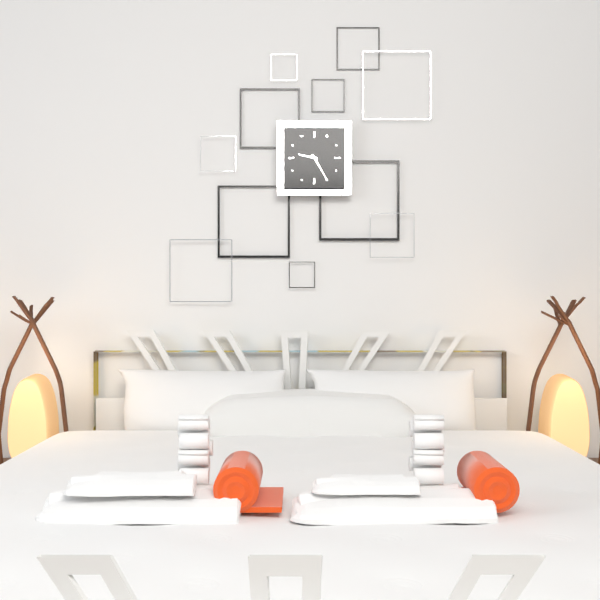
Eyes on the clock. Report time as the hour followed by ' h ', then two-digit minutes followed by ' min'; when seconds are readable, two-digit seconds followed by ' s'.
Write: 9 h 25 min
